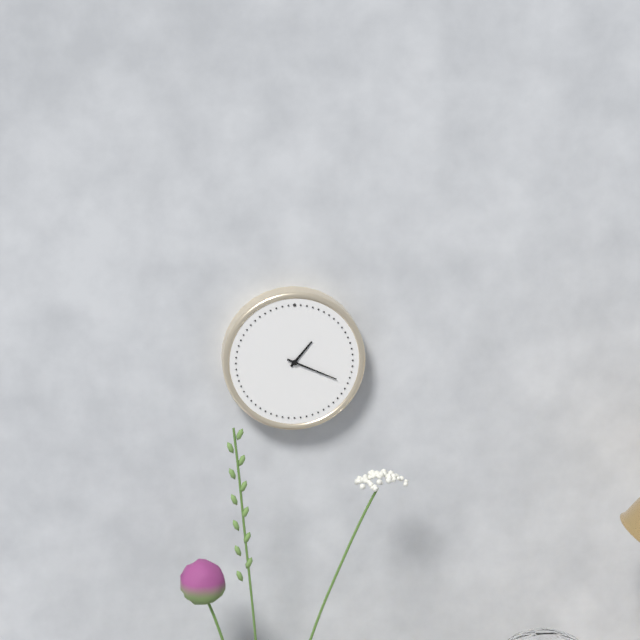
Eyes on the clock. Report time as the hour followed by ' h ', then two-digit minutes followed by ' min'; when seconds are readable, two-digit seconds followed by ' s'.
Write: 1 h 19 min
